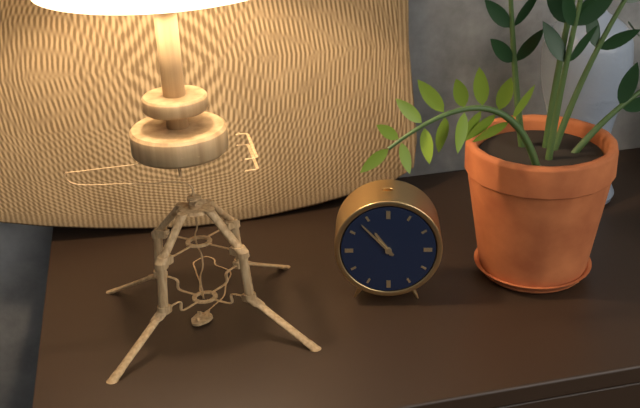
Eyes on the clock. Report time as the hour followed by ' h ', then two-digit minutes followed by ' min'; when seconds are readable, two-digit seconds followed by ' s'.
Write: 10 h 53 min
